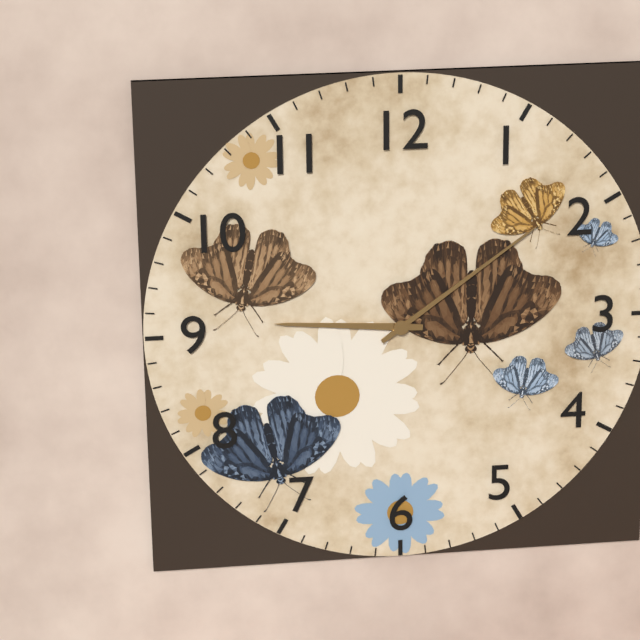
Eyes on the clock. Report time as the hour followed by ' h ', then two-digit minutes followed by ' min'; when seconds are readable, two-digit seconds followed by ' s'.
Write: 9 h 09 min
